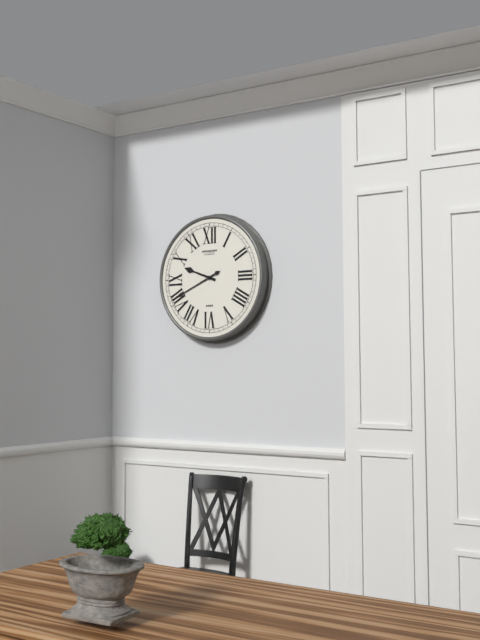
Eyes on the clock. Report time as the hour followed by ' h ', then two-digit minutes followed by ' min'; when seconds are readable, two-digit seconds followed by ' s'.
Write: 9 h 41 min
